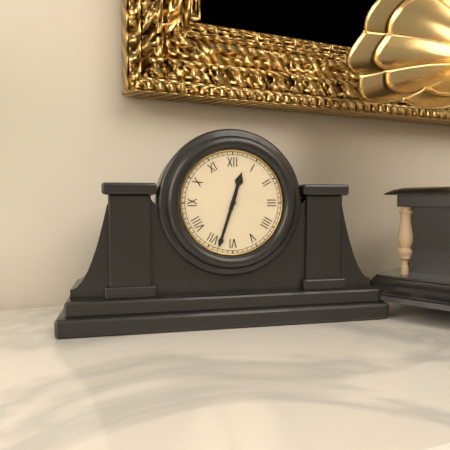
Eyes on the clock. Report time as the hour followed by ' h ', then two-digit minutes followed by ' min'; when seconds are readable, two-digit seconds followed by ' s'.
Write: 12 h 33 min
